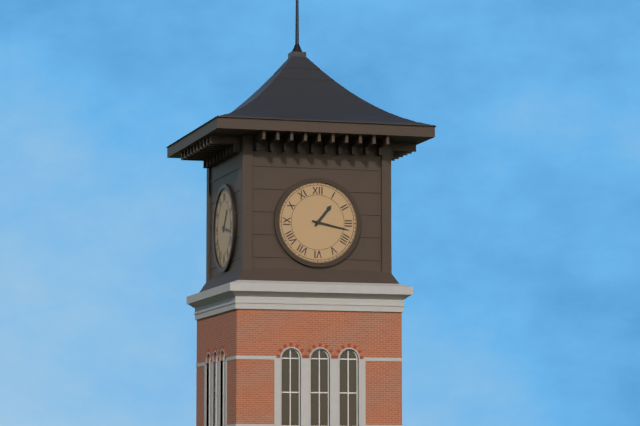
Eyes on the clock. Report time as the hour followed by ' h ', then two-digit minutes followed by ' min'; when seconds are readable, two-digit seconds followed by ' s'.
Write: 1 h 17 min
